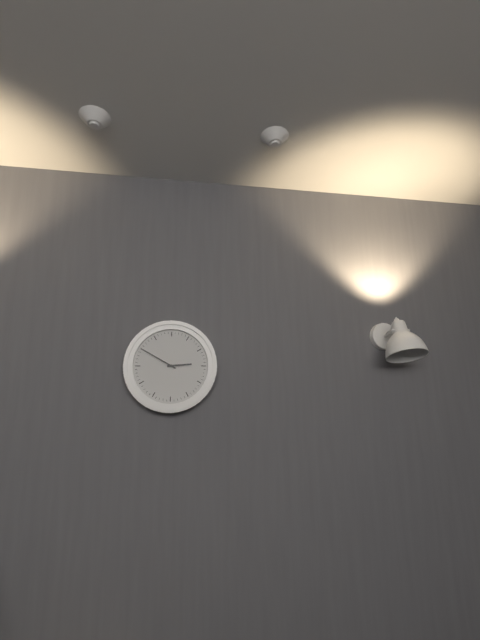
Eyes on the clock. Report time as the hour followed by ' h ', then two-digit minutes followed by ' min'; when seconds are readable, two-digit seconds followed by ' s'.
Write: 2 h 50 min
